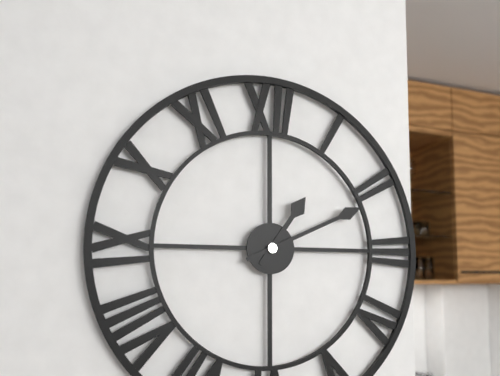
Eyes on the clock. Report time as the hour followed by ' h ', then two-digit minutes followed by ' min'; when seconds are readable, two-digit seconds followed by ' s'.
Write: 1 h 11 min
